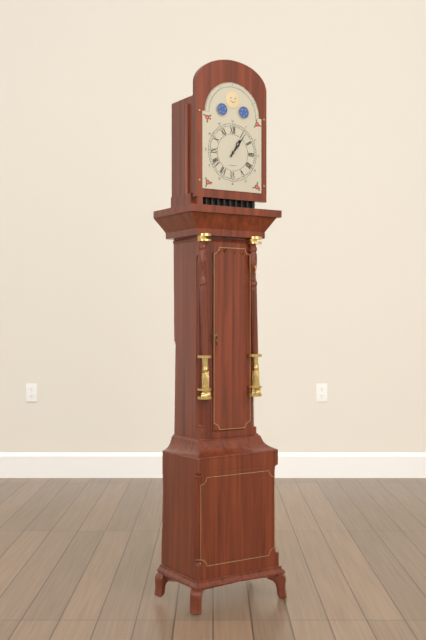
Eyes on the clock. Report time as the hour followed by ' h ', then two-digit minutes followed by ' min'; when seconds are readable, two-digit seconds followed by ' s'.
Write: 1 h 06 min
